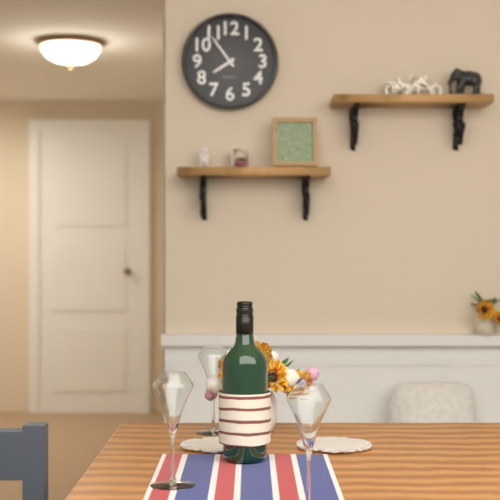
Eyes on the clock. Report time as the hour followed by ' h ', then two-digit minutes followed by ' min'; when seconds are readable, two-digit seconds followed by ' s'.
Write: 7 h 54 min
